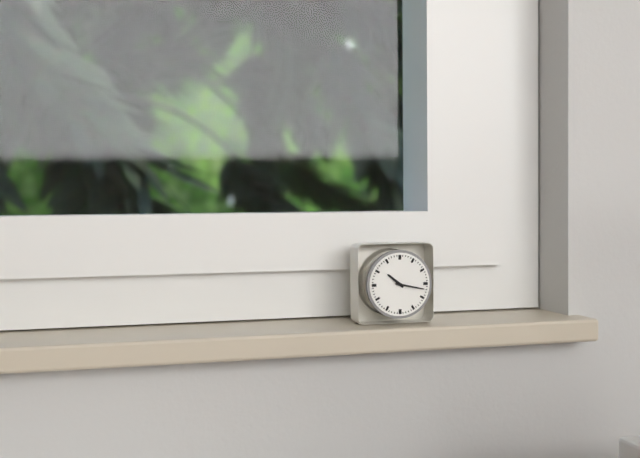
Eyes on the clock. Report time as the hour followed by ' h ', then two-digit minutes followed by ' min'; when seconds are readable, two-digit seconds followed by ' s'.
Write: 10 h 17 min
